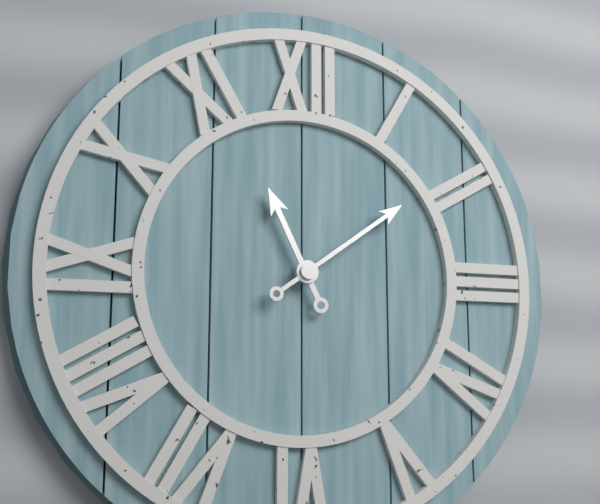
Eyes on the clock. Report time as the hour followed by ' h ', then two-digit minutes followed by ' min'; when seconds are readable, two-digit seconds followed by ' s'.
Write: 11 h 09 min
